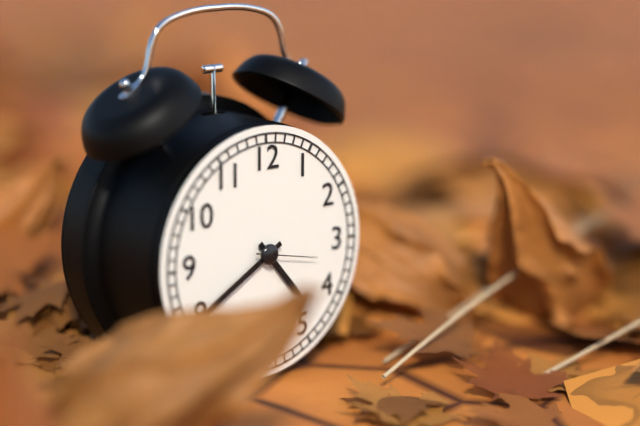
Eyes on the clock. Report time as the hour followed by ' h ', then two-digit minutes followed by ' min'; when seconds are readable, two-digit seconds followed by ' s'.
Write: 4 h 40 min 17 s
